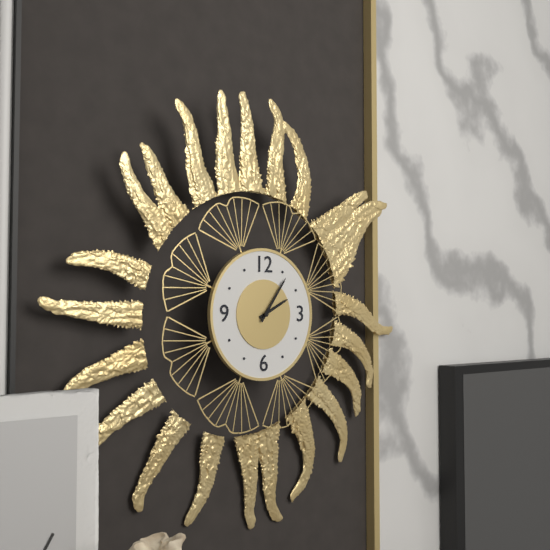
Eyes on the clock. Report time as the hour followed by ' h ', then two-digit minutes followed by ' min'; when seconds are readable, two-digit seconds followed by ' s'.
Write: 2 h 06 min
